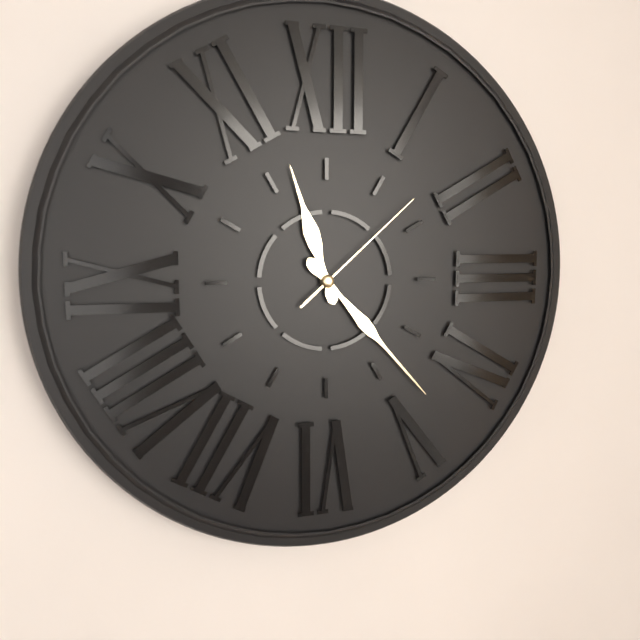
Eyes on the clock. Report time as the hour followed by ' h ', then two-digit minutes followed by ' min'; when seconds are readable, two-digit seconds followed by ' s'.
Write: 11 h 23 min 08 s
